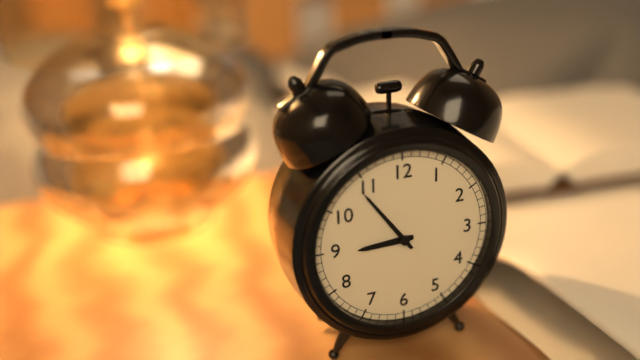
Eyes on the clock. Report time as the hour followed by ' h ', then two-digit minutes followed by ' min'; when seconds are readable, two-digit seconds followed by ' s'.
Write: 8 h 54 min
